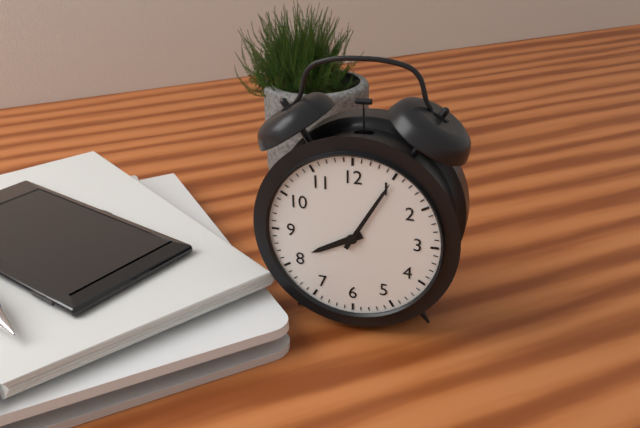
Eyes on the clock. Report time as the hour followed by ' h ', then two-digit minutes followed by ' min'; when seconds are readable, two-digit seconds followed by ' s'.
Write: 8 h 05 min
